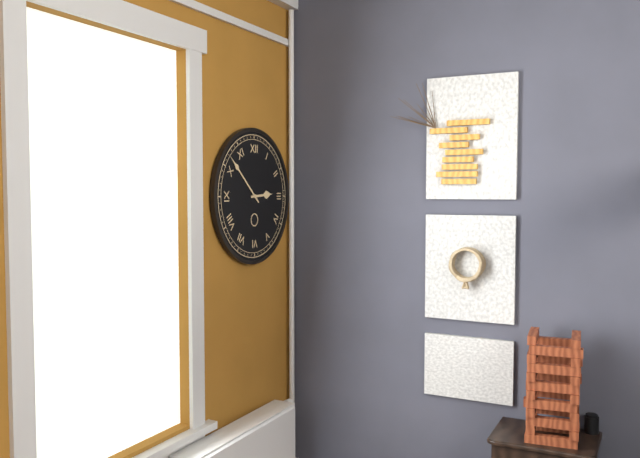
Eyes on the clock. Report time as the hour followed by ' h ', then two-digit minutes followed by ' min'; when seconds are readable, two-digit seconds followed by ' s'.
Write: 2 h 52 min
